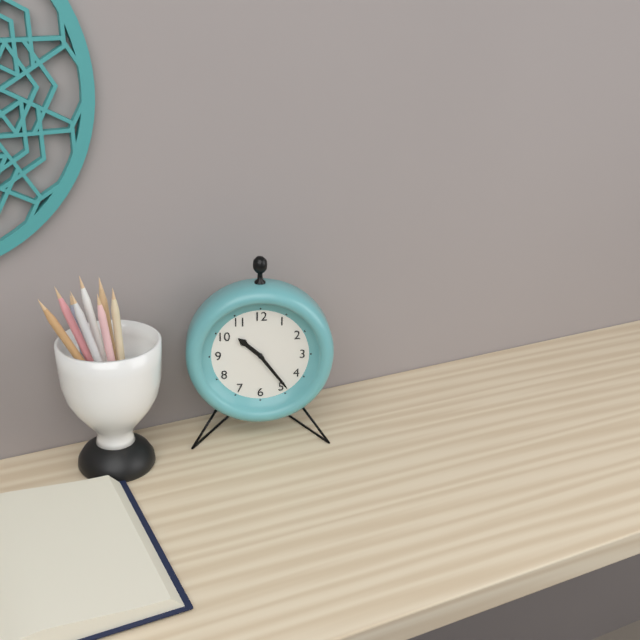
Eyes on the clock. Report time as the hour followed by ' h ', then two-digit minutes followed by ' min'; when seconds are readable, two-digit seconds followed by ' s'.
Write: 10 h 24 min
